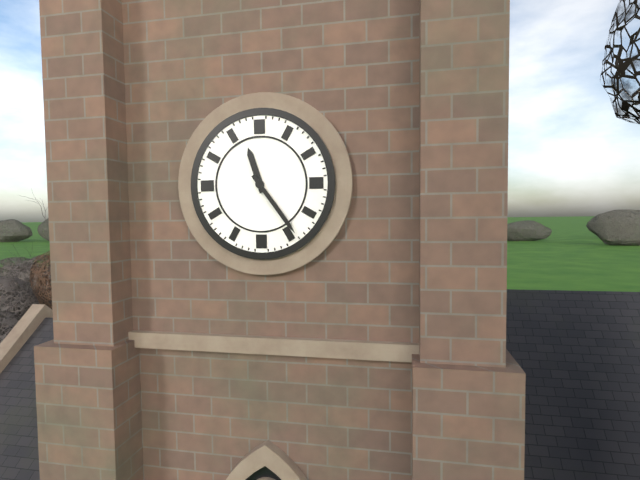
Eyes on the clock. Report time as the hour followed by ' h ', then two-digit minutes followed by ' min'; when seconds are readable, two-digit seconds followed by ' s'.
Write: 11 h 24 min
